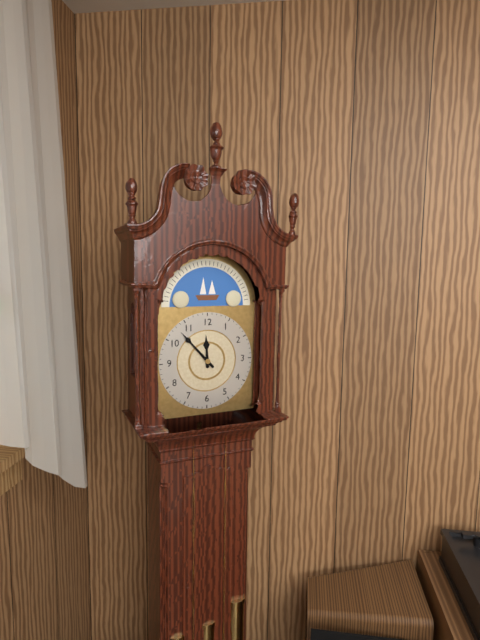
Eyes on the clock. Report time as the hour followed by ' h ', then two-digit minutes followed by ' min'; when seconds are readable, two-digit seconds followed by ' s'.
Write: 11 h 53 min
